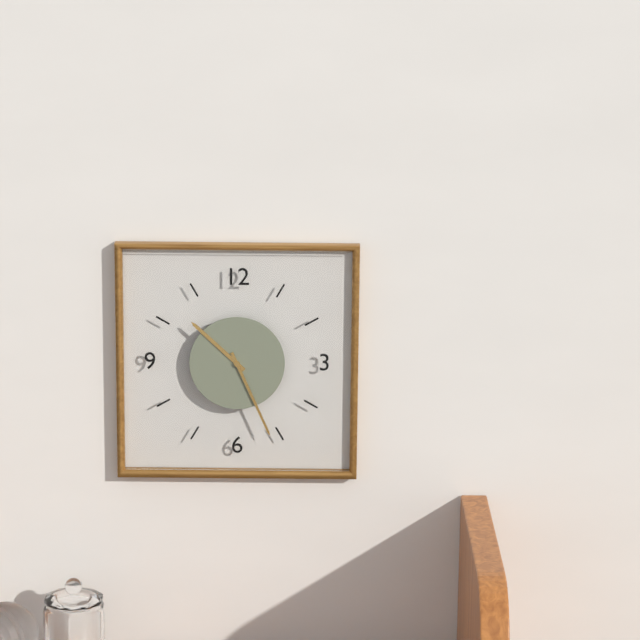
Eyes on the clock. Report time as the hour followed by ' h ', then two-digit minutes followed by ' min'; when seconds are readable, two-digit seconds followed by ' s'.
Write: 10 h 26 min
